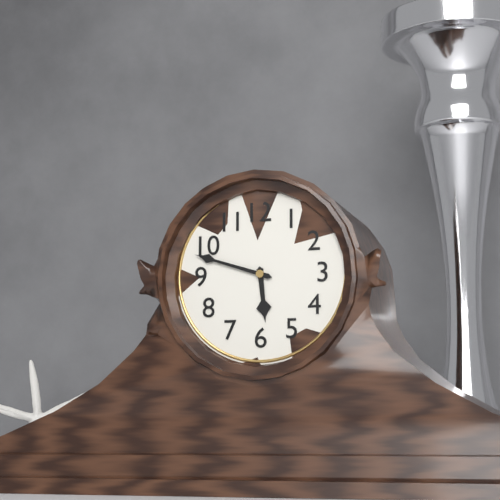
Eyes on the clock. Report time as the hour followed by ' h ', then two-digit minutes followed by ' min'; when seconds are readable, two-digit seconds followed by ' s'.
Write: 5 h 48 min
